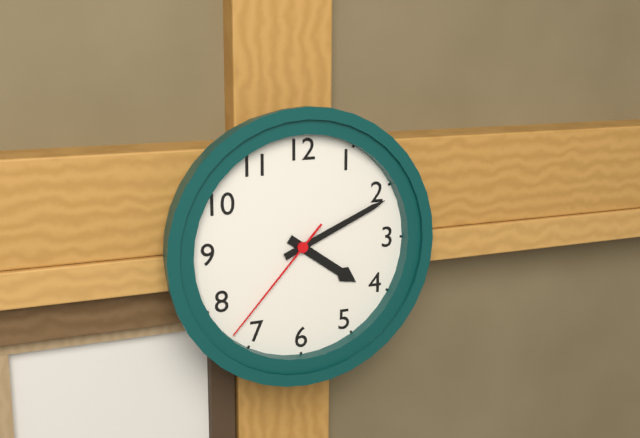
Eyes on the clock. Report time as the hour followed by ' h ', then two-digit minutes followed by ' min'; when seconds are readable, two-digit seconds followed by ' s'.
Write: 4 h 11 min 37 s
